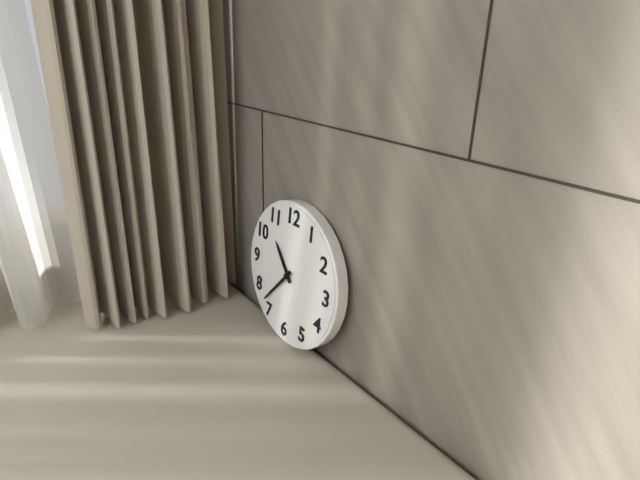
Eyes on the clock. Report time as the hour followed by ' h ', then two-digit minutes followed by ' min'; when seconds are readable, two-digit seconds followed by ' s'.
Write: 10 h 37 min
